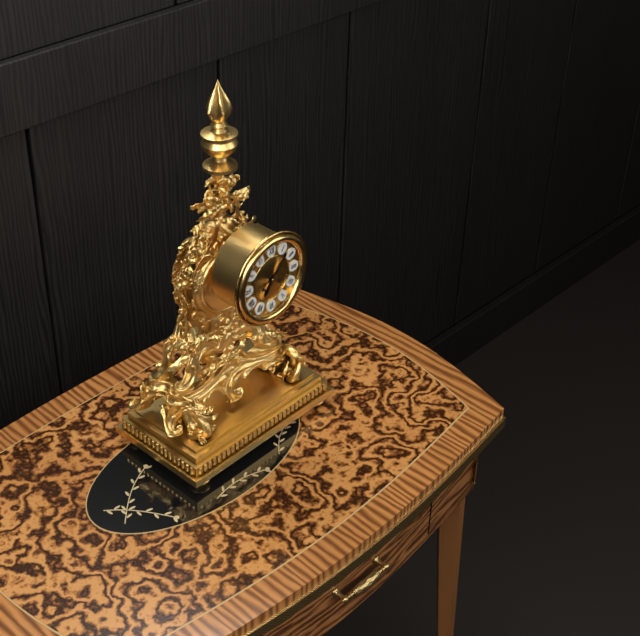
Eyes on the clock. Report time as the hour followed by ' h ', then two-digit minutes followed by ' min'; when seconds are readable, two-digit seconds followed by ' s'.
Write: 7 h 07 min
